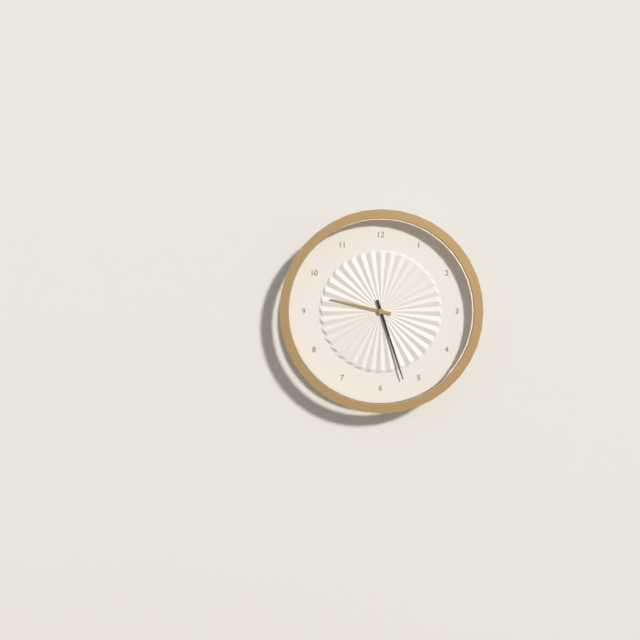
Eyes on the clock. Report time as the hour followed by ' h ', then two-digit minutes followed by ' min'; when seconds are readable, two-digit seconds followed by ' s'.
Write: 9 h 27 min
